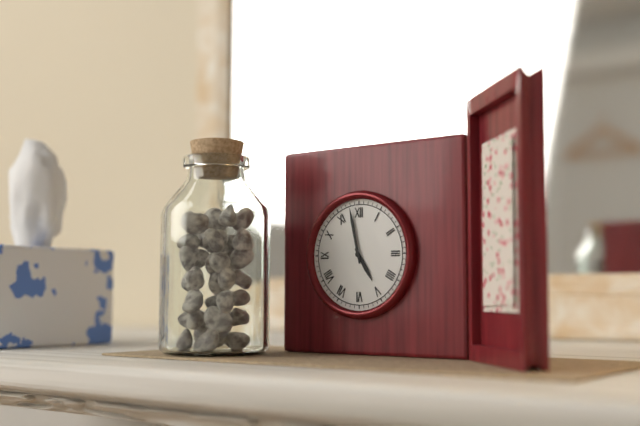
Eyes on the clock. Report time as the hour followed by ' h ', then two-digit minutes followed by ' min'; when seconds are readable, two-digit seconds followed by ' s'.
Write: 4 h 58 min
